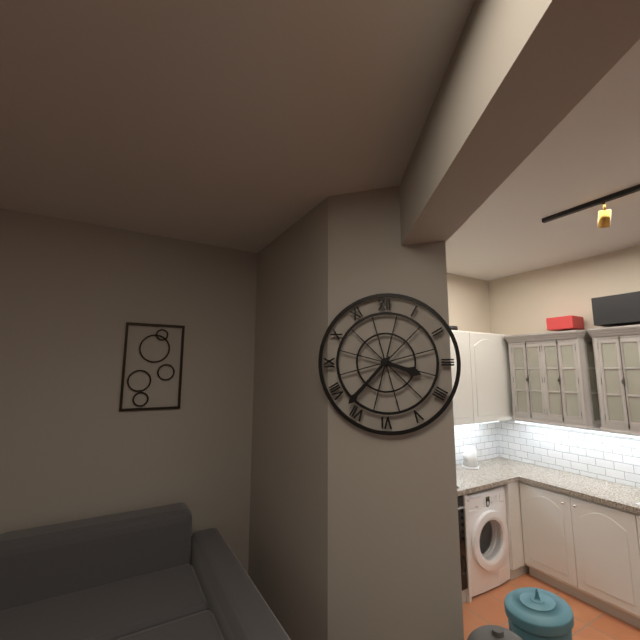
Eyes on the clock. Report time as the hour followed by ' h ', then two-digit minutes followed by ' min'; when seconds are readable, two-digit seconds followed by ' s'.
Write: 3 h 37 min
